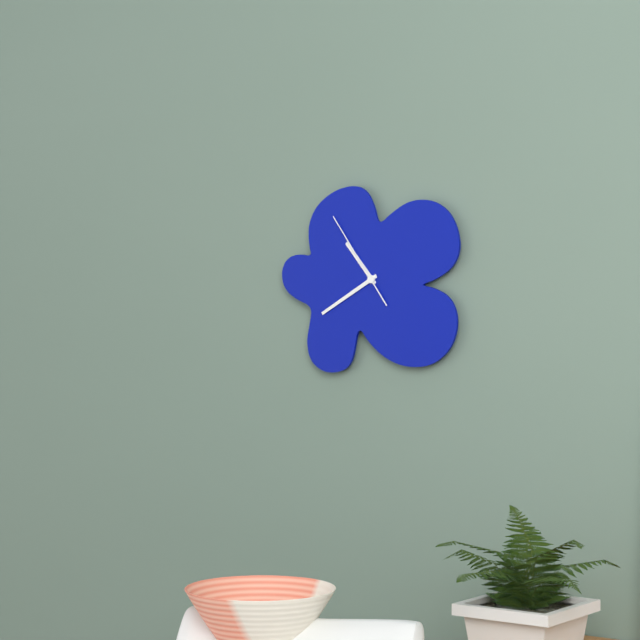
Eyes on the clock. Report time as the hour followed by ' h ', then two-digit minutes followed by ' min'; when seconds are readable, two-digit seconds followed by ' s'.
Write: 10 h 40 min 54 s
